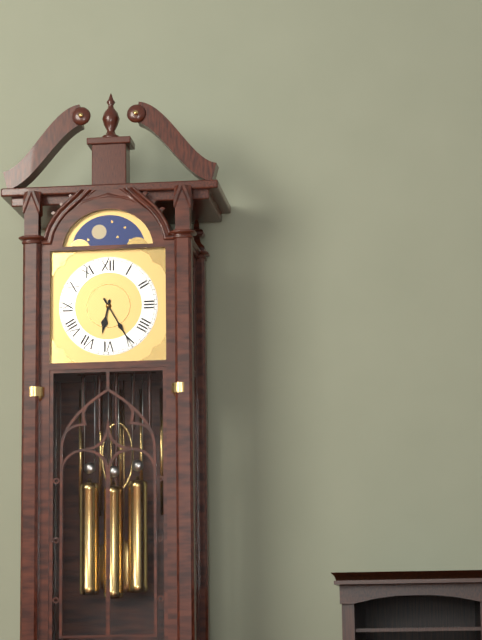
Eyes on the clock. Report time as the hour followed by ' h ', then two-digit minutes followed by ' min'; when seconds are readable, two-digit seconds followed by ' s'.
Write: 6 h 25 min
